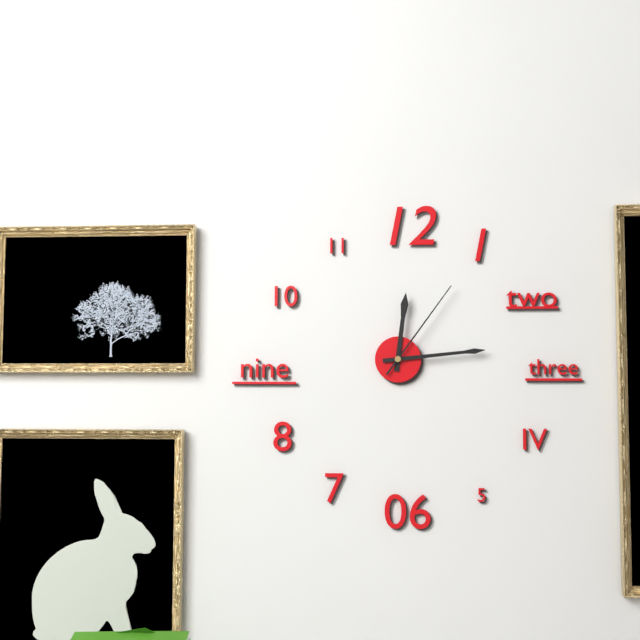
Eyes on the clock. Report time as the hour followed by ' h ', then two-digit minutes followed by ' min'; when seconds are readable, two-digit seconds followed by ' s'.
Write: 12 h 14 min 06 s
